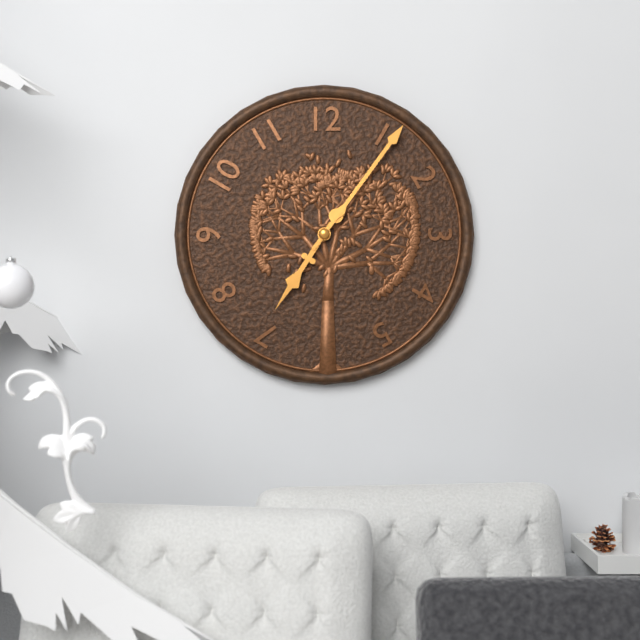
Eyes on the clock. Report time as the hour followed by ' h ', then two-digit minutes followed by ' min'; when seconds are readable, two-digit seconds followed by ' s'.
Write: 7 h 06 min
